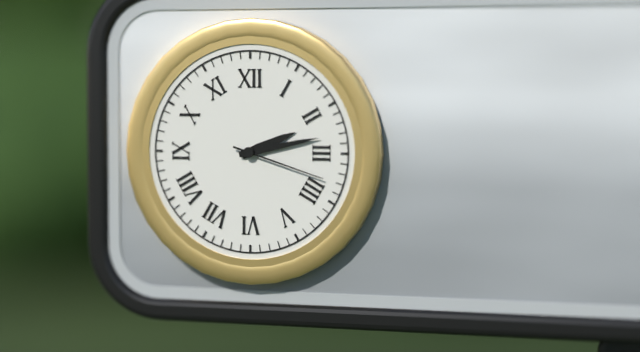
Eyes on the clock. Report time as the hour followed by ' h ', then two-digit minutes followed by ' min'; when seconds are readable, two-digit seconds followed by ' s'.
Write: 2 h 13 min 18 s
